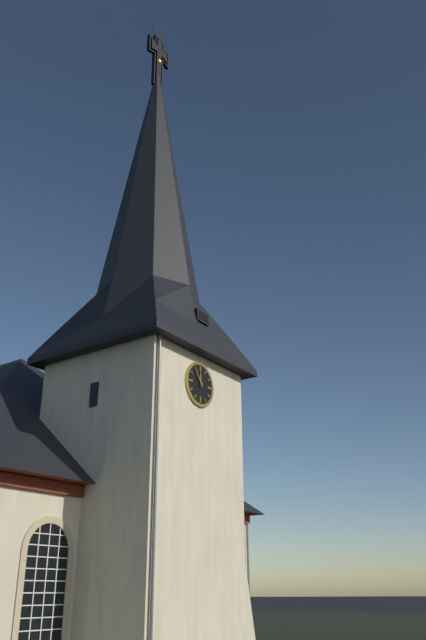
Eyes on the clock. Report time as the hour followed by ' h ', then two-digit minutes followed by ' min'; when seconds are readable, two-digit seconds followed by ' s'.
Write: 11 h 54 min
